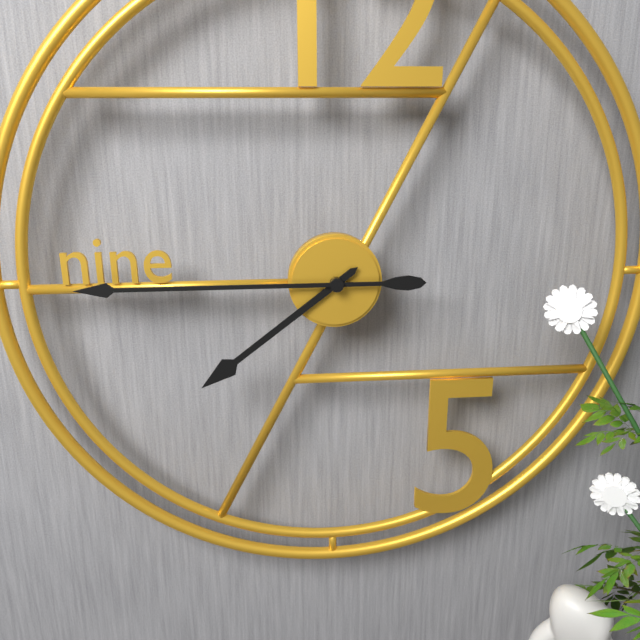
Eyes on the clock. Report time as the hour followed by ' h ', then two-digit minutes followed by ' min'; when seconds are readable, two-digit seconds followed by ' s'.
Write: 7 h 45 min
